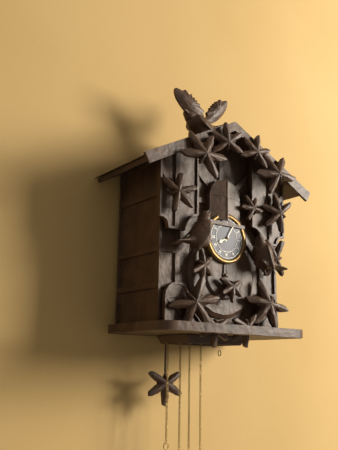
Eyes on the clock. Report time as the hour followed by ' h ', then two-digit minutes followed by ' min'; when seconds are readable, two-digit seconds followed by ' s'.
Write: 8 h 05 min
